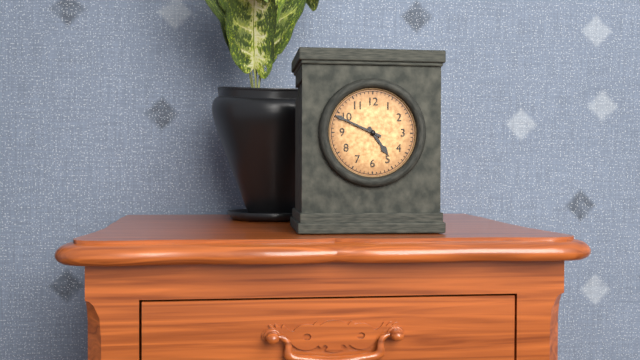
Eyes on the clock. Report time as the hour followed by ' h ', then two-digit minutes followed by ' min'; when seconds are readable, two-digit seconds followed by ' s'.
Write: 4 h 49 min
